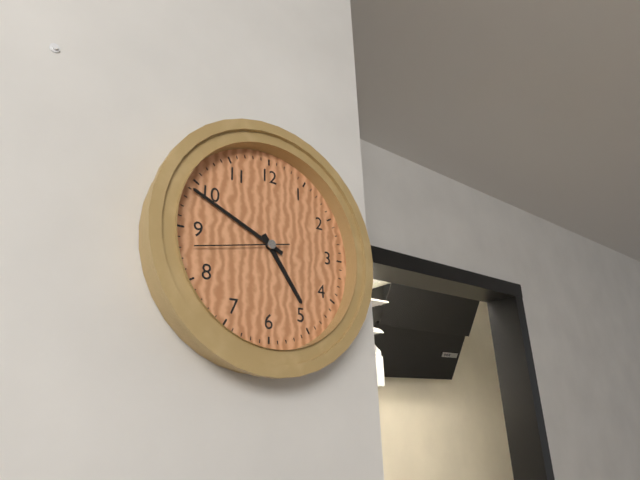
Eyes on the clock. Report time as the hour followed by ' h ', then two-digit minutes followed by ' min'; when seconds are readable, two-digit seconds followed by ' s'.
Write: 4 h 49 min 43 s
